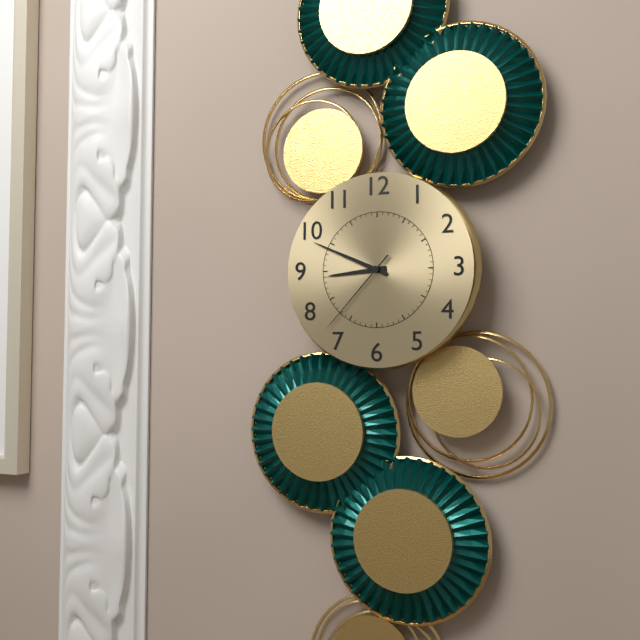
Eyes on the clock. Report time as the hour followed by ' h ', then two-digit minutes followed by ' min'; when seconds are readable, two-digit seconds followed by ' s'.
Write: 8 h 49 min 37 s
